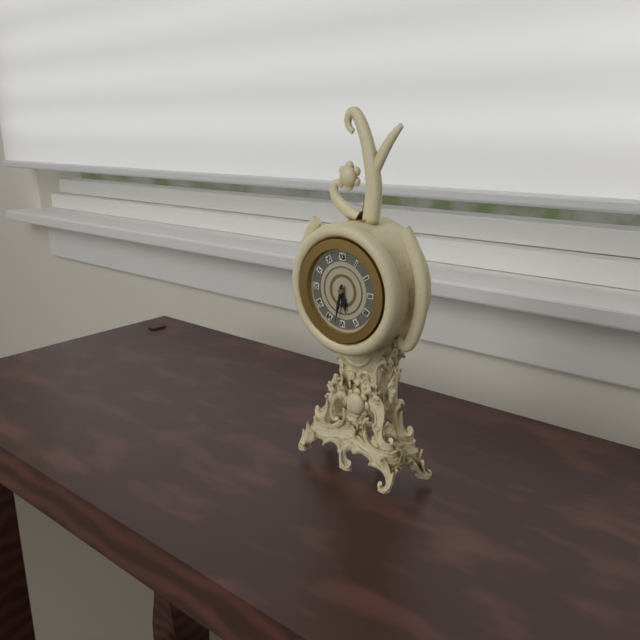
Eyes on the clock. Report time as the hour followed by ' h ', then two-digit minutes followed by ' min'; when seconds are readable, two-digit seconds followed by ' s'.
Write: 5 h 32 min
